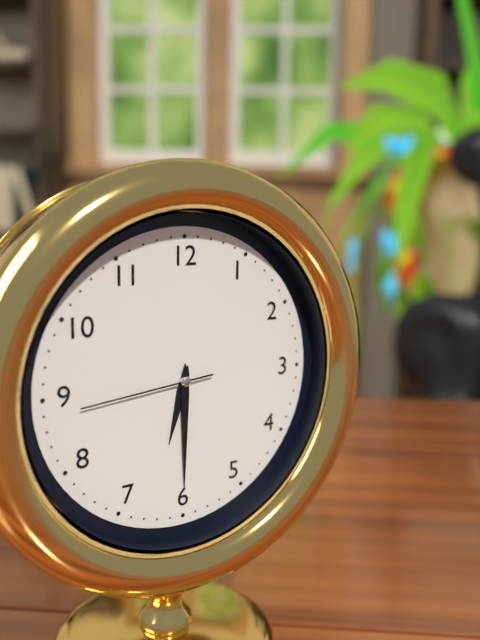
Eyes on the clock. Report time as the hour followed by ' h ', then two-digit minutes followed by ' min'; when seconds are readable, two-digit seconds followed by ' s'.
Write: 6 h 30 min 44 s
